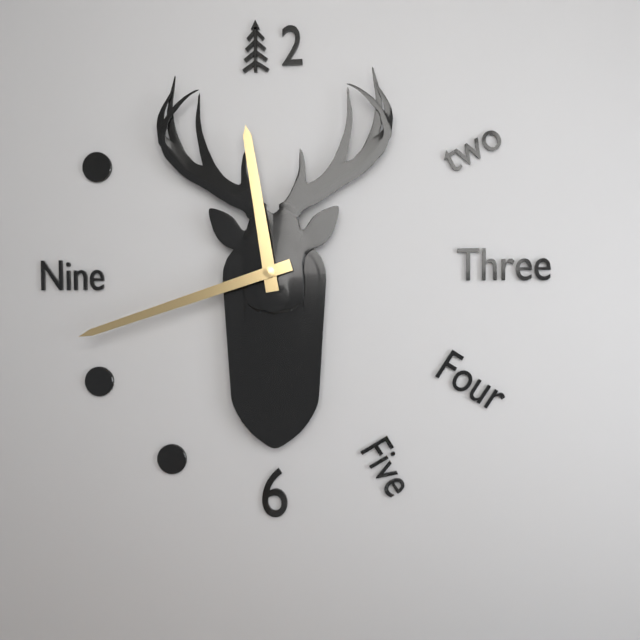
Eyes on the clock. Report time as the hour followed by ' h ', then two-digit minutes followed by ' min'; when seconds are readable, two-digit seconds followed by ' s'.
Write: 11 h 42 min
